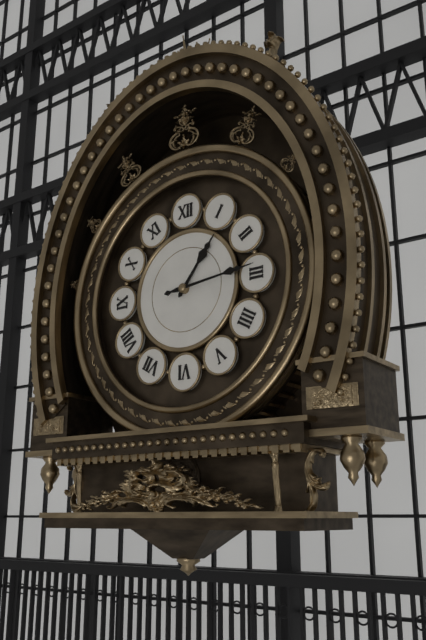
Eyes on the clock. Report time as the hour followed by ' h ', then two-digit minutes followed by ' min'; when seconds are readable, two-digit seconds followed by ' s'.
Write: 1 h 14 min
